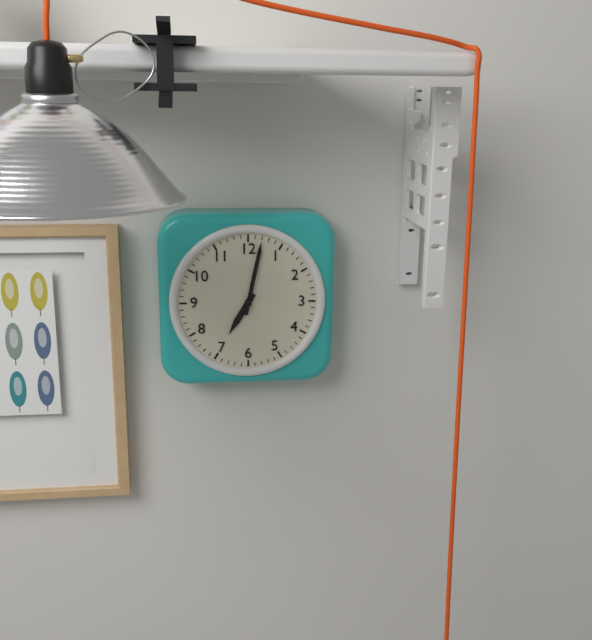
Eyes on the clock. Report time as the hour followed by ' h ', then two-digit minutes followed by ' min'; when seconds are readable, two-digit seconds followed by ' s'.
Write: 7 h 02 min
